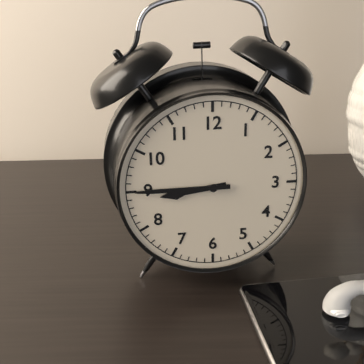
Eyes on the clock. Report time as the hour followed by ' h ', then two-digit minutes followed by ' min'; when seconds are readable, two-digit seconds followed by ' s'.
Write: 8 h 45 min
